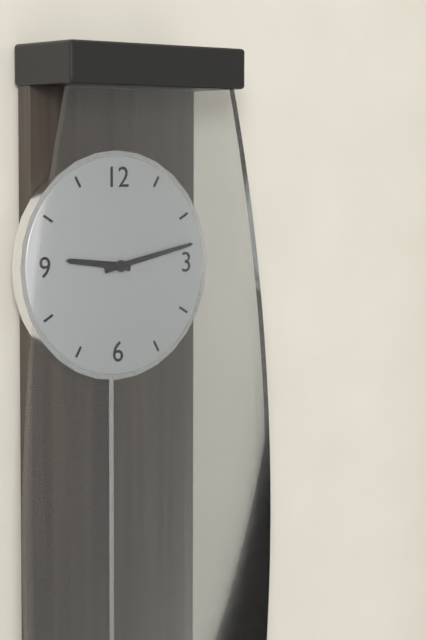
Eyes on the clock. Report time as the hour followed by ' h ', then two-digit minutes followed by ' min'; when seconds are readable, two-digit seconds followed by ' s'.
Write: 9 h 13 min
